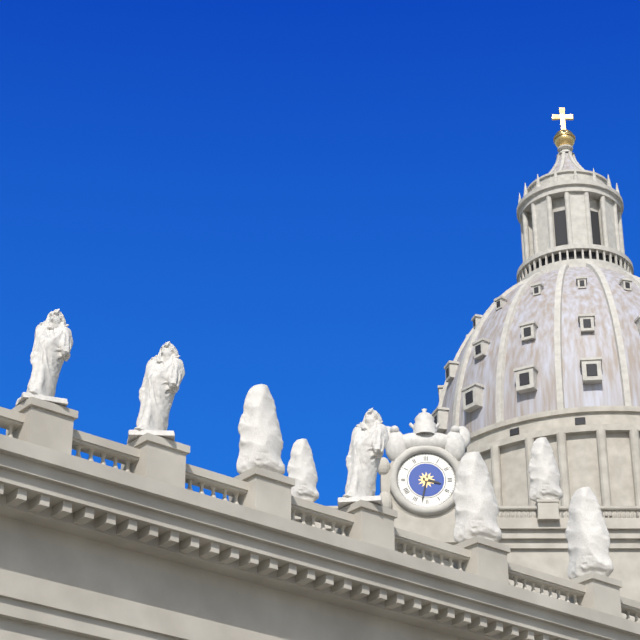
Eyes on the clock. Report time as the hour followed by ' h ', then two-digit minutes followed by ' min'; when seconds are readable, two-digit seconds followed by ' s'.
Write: 3 h 32 min
